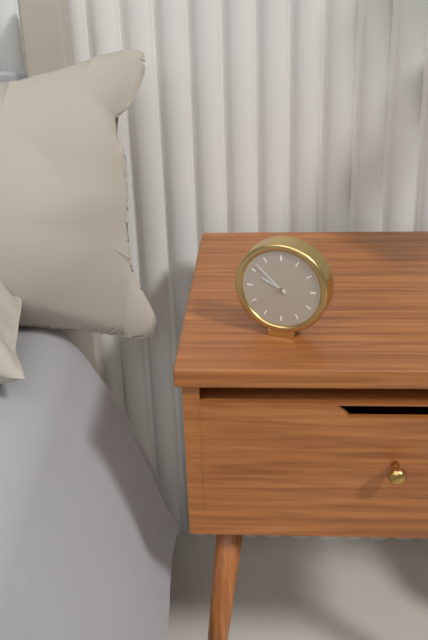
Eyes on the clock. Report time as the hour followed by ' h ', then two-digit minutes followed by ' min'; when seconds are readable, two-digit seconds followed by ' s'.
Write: 9 h 52 min
